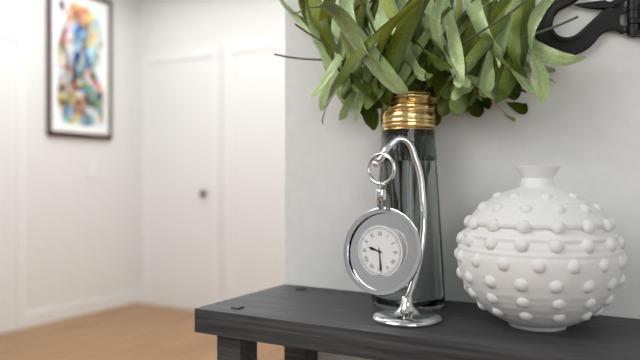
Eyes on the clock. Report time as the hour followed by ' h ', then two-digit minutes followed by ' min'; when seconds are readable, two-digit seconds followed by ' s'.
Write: 9 h 29 min
